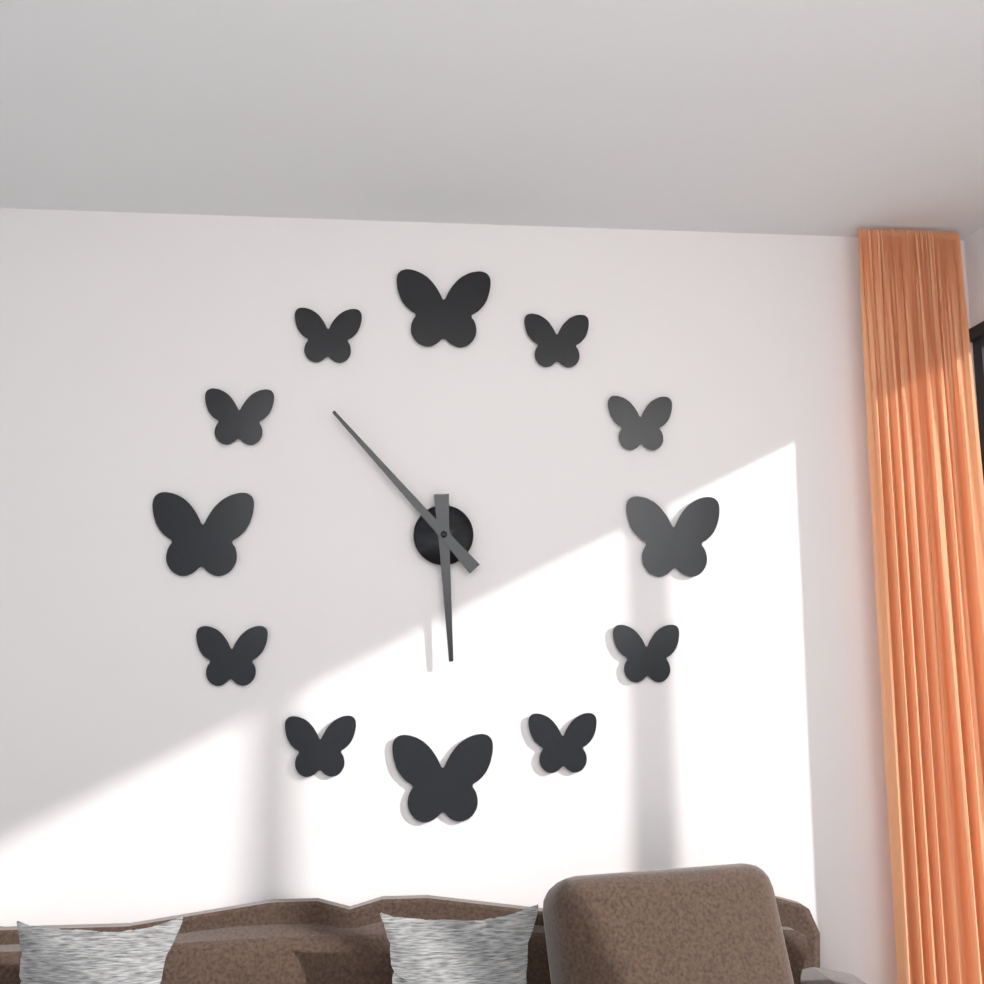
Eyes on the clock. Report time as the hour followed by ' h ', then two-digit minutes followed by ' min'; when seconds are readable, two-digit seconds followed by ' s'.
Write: 5 h 53 min
